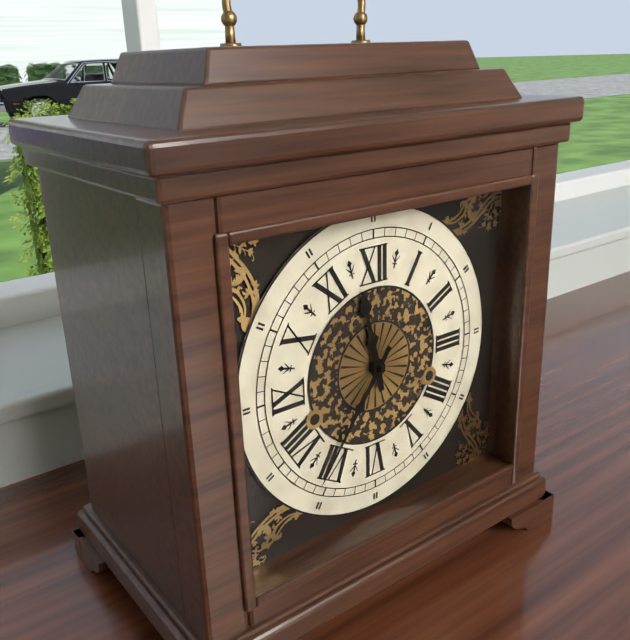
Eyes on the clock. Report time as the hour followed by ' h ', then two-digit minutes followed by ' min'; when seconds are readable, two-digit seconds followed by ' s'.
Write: 11 h 36 min
